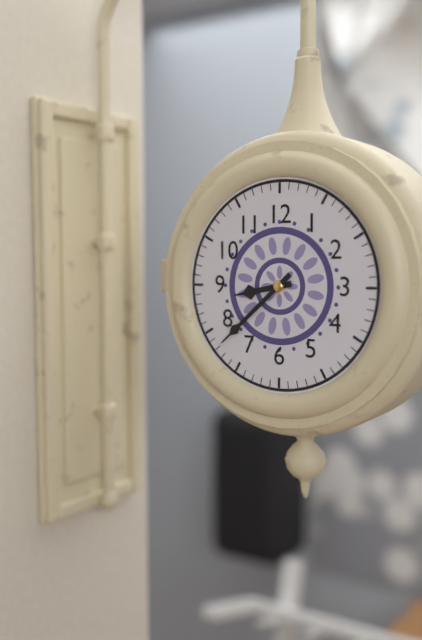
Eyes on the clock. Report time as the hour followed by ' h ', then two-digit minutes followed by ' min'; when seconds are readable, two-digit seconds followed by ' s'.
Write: 8 h 38 min
